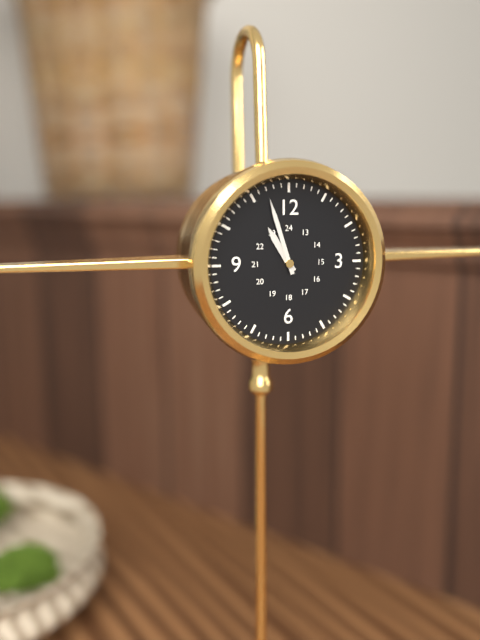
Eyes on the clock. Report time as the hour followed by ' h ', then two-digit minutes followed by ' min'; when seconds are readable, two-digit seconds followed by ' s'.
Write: 10 h 57 min
